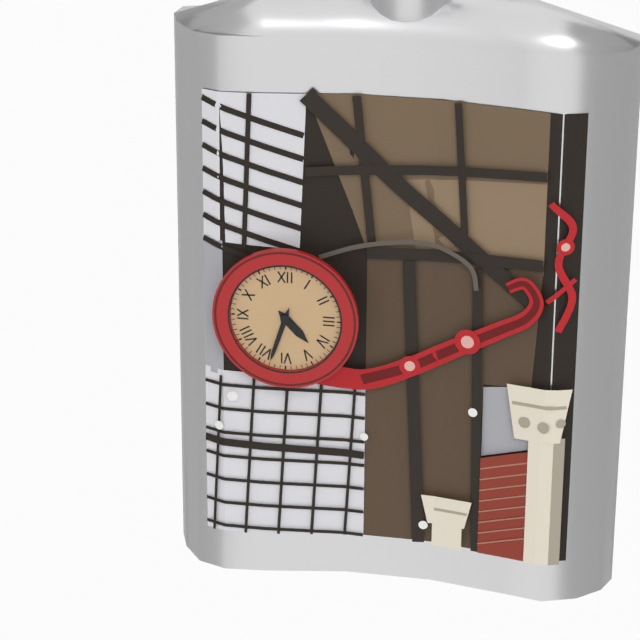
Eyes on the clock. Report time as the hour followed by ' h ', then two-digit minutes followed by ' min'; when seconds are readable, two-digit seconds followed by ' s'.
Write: 4 h 33 min
